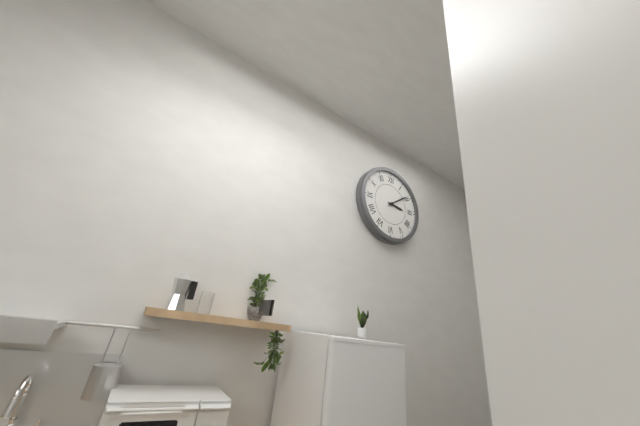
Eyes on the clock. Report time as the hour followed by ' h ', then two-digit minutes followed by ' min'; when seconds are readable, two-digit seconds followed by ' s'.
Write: 3 h 09 min
